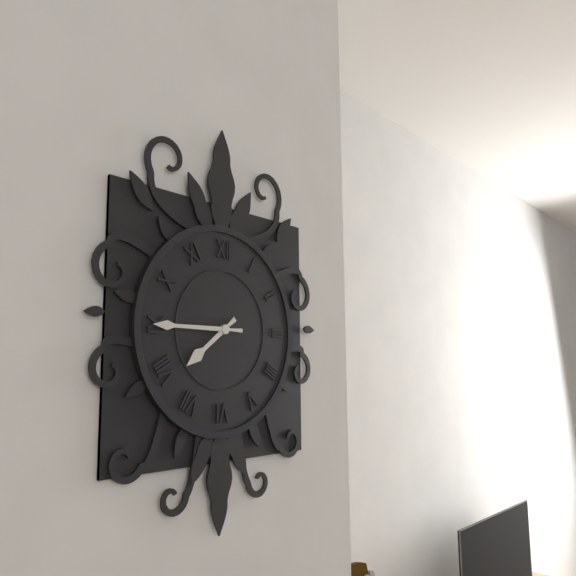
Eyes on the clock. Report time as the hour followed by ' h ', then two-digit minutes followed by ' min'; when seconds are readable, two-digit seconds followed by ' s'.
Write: 7 h 45 min
